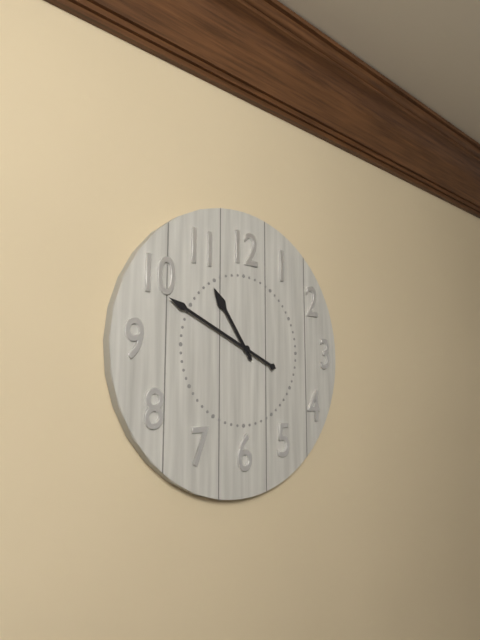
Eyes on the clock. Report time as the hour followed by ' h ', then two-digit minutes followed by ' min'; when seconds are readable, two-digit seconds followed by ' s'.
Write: 10 h 49 min
